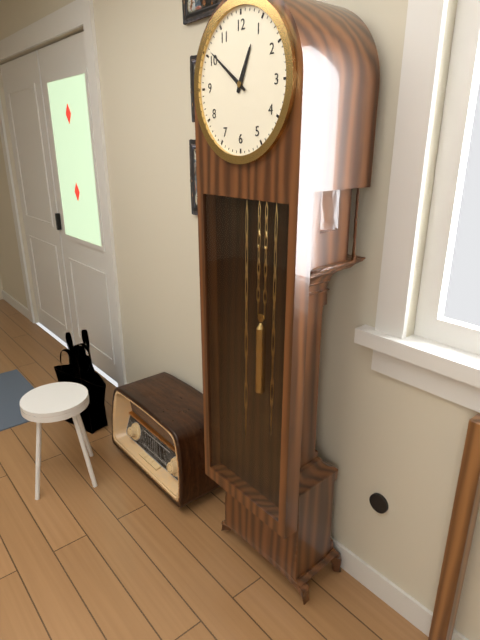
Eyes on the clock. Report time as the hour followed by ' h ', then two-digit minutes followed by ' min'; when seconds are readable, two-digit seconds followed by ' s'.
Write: 12 h 51 min
